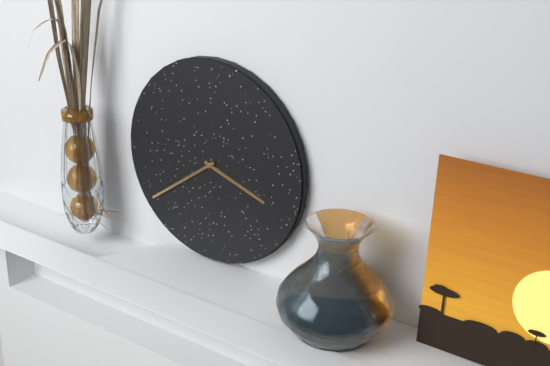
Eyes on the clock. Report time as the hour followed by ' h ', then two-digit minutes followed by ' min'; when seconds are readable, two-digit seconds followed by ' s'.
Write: 3 h 39 min
